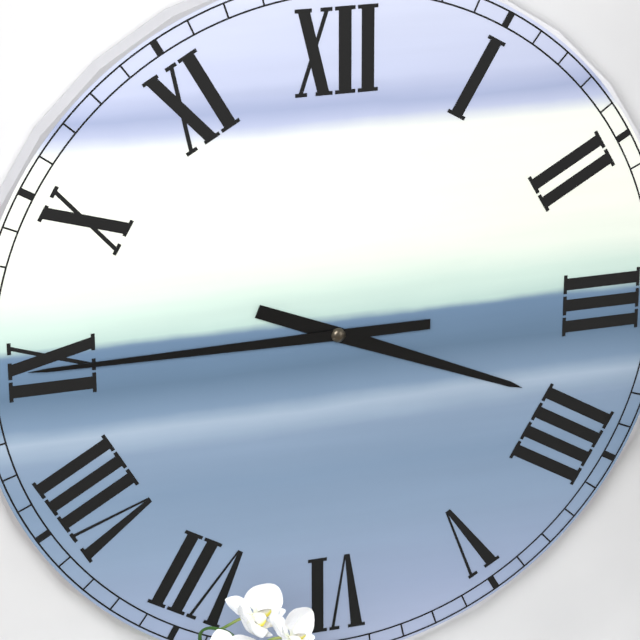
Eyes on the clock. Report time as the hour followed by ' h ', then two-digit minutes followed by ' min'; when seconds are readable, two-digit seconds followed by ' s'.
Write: 3 h 45 min
